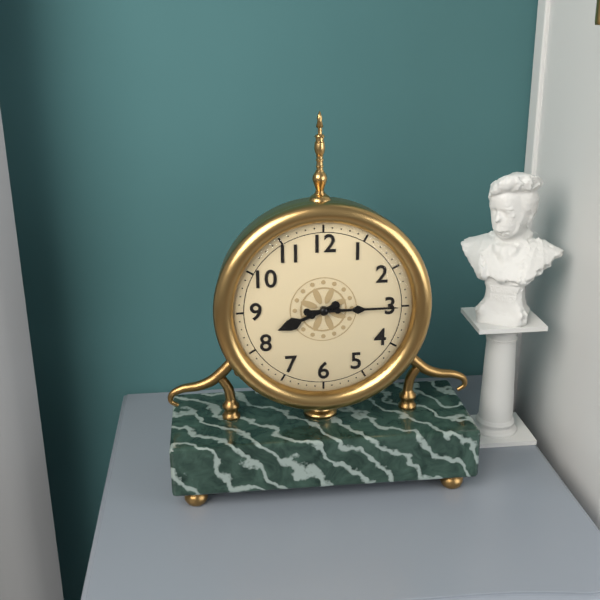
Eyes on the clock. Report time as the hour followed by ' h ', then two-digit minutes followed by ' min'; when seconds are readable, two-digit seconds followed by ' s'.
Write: 8 h 15 min
